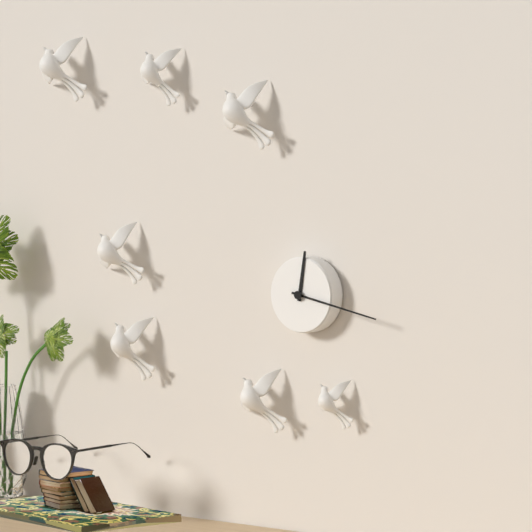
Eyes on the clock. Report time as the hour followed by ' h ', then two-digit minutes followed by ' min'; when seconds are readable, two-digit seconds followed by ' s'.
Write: 12 h 17 min
